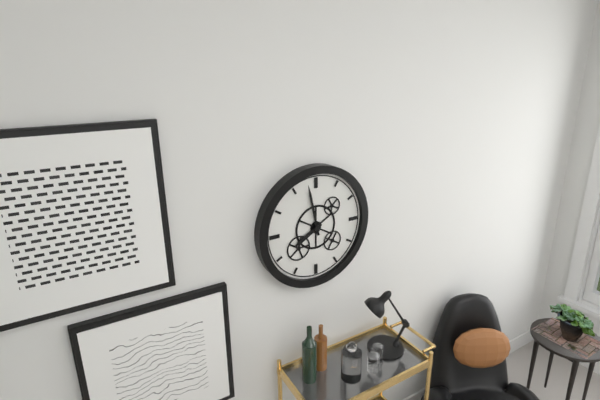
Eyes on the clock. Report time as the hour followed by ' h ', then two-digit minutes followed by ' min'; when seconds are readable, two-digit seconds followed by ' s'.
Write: 7 h 58 min
